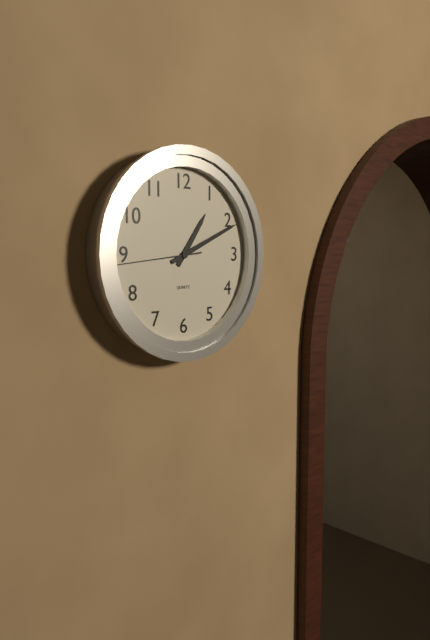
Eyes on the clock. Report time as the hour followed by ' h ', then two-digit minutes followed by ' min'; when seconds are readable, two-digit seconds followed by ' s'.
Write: 1 h 11 min 44 s
